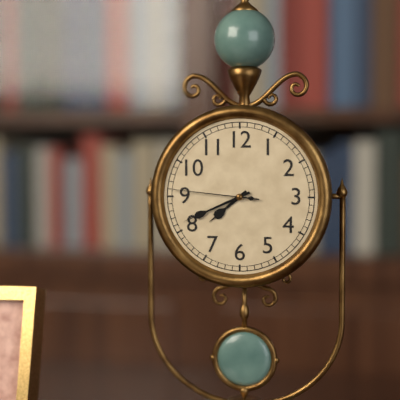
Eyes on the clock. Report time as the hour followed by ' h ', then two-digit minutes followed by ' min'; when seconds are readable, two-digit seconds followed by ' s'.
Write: 7 h 41 min 46 s
